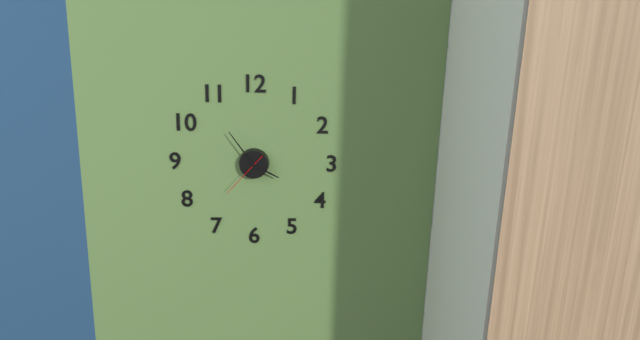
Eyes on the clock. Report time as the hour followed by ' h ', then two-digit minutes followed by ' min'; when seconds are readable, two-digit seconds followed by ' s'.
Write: 3 h 54 min 37 s
